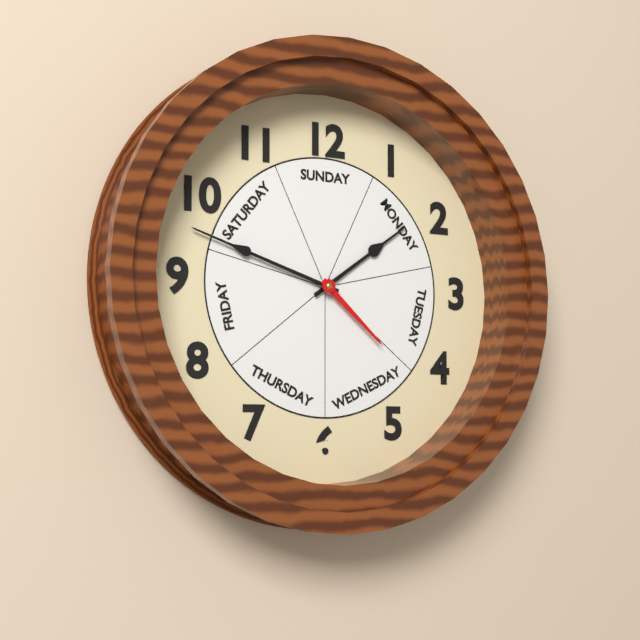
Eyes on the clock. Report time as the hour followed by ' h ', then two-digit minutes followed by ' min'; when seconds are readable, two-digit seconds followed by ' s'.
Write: 1 h 48 min 22 s
